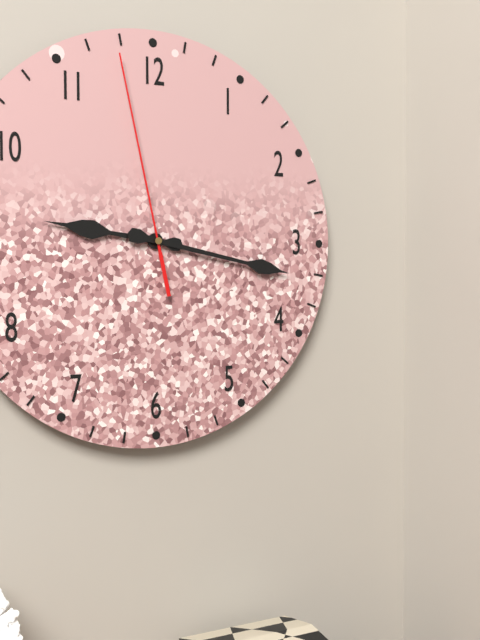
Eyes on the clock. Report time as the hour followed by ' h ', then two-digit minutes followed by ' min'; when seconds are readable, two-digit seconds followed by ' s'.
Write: 9 h 17 min 58 s
